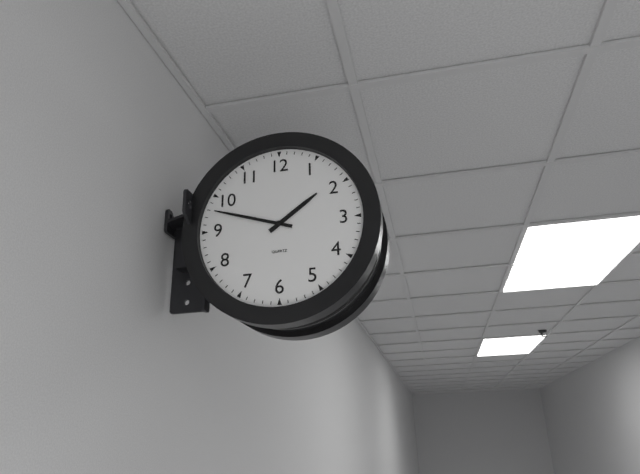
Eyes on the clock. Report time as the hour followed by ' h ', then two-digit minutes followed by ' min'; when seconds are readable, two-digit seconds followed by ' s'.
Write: 1 h 48 min
